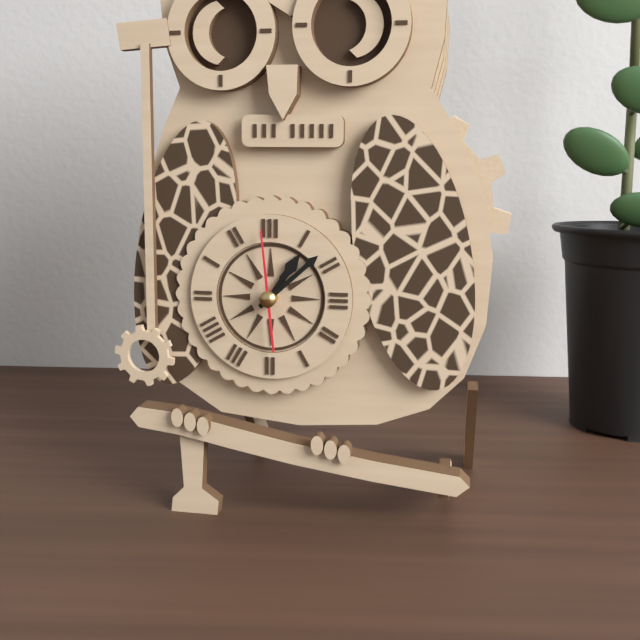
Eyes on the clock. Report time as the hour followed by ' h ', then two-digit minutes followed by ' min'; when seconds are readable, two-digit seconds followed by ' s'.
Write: 1 h 08 min 59 s
